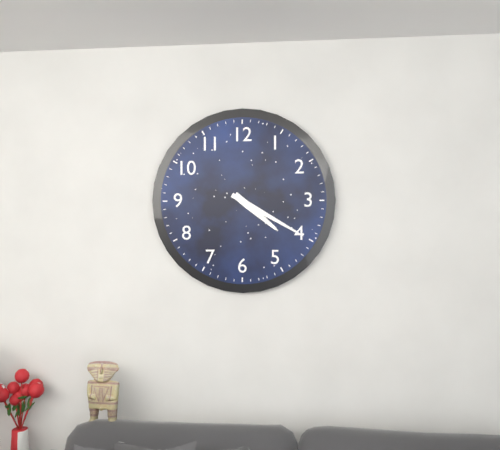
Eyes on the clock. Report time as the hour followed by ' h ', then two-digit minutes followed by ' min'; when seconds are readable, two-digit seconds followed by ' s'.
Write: 4 h 20 min
